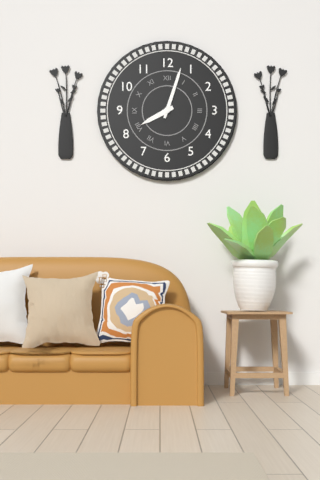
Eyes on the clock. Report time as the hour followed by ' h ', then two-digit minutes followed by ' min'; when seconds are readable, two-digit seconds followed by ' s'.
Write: 8 h 03 min
